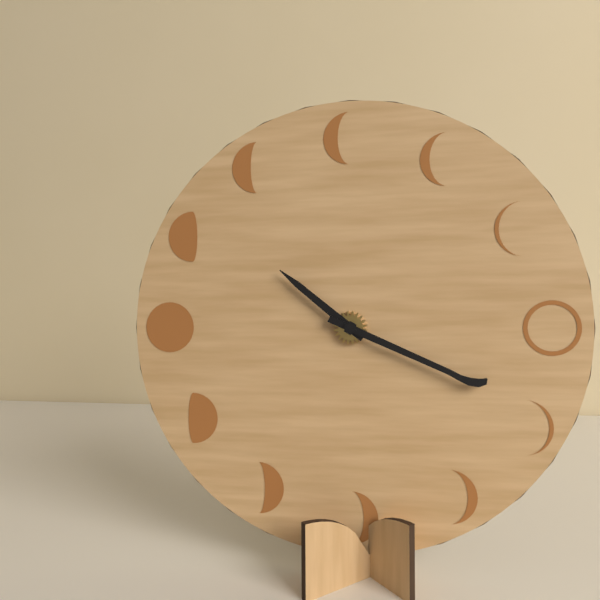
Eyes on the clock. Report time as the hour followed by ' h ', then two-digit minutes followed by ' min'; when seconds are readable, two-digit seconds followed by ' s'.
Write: 10 h 19 min
